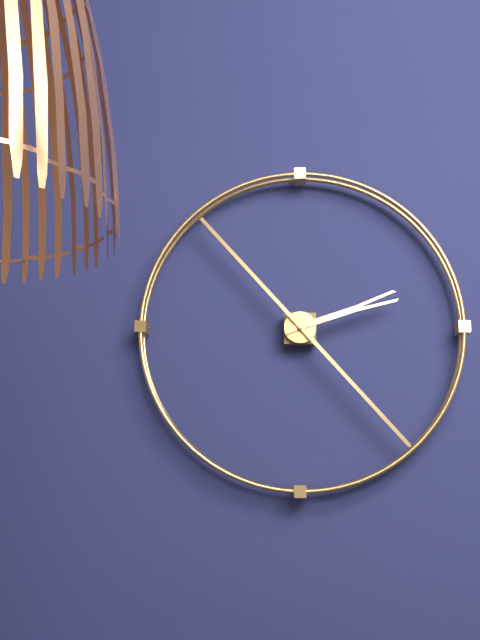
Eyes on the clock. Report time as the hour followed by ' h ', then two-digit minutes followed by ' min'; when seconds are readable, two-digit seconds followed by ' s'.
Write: 2 h 23 min
